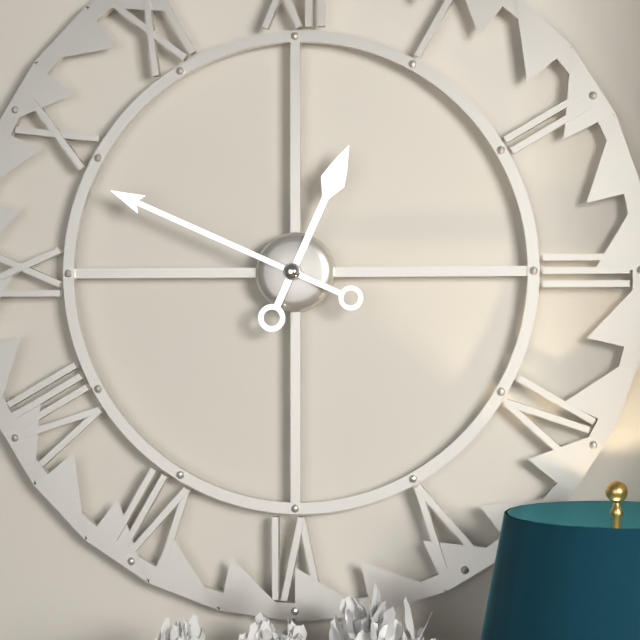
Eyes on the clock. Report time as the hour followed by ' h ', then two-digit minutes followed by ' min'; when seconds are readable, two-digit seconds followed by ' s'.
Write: 12 h 49 min
